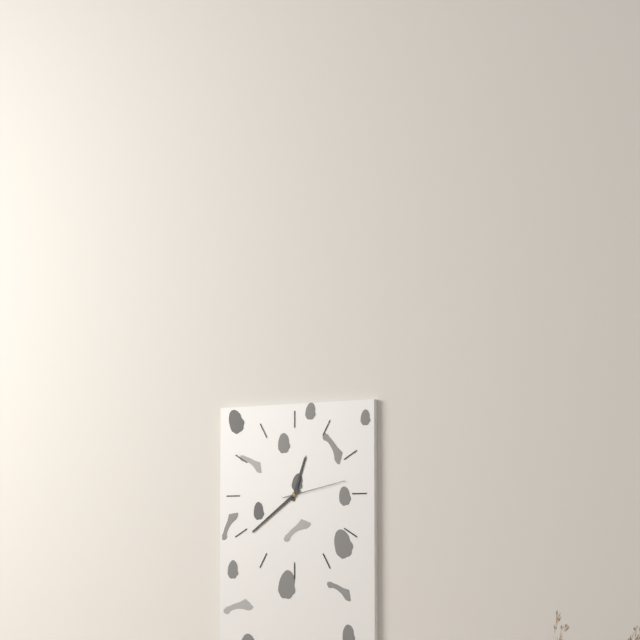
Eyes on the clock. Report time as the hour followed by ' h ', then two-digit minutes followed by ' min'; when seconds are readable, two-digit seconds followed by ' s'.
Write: 12 h 39 min 13 s
